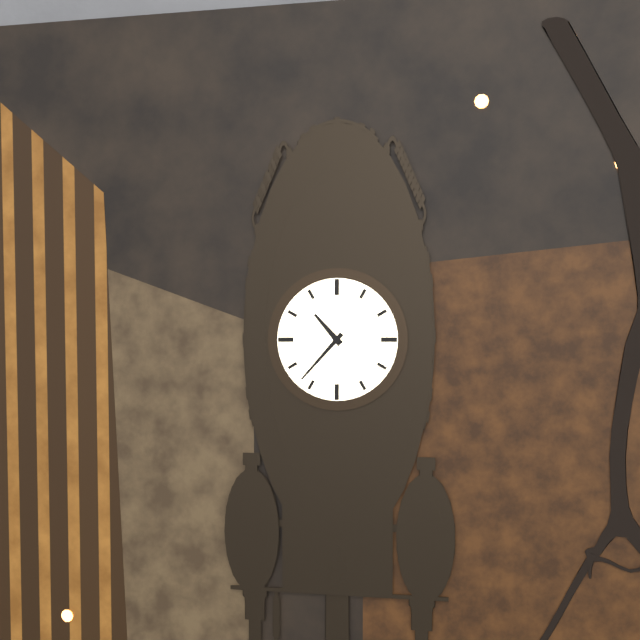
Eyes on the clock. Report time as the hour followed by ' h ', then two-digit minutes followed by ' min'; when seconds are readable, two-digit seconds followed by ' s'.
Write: 10 h 37 min
